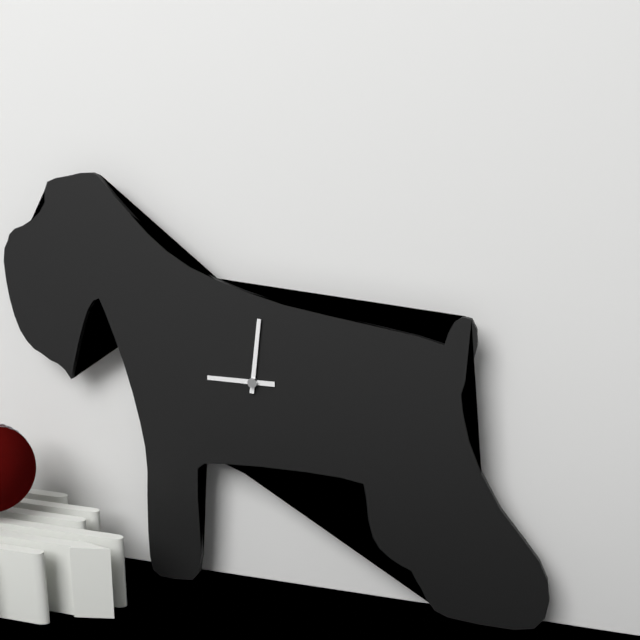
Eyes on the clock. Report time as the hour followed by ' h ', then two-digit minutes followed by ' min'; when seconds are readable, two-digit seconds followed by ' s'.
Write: 9 h 01 min
